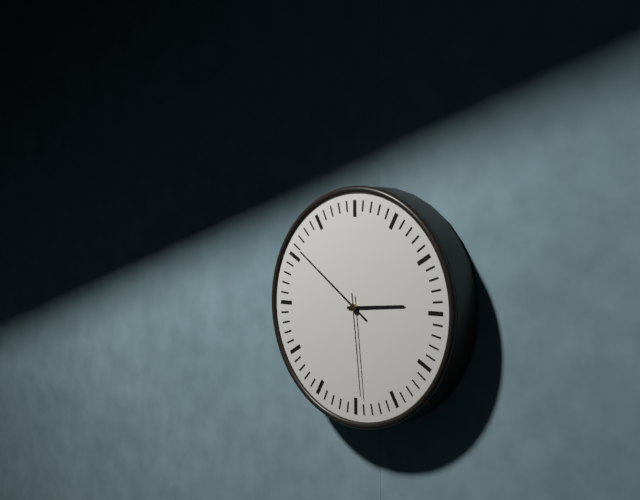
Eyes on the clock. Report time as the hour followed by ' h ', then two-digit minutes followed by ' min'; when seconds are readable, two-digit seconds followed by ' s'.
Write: 2 h 51 min 29 s
